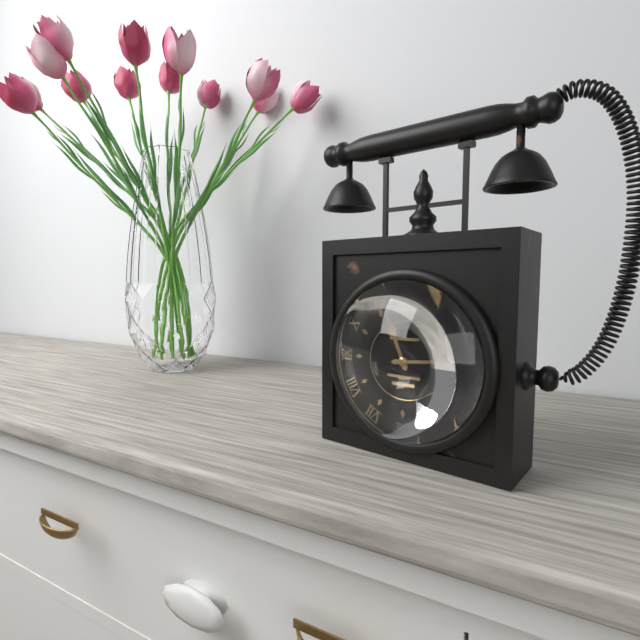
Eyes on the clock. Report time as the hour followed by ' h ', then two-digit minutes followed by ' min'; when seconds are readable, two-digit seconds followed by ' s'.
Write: 11 h 14 min
